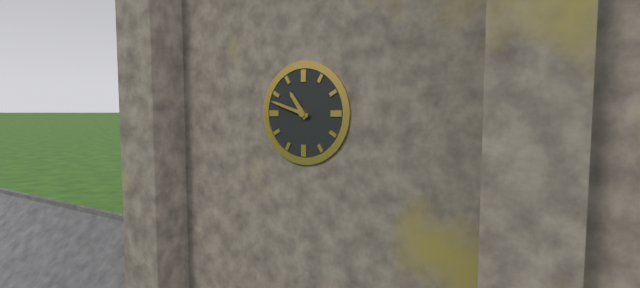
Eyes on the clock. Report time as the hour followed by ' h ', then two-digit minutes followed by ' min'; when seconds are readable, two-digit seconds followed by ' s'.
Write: 10 h 48 min
